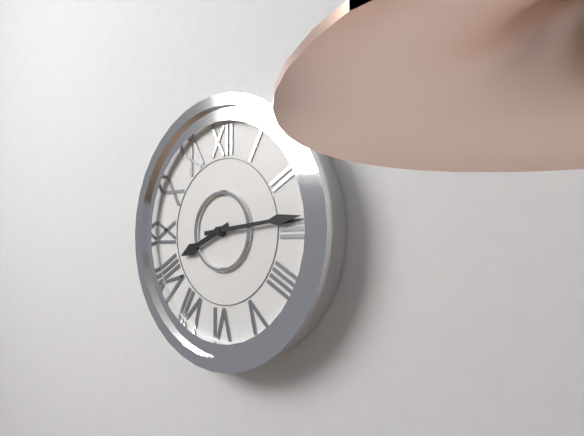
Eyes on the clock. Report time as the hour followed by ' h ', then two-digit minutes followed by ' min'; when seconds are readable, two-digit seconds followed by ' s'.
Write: 8 h 14 min
